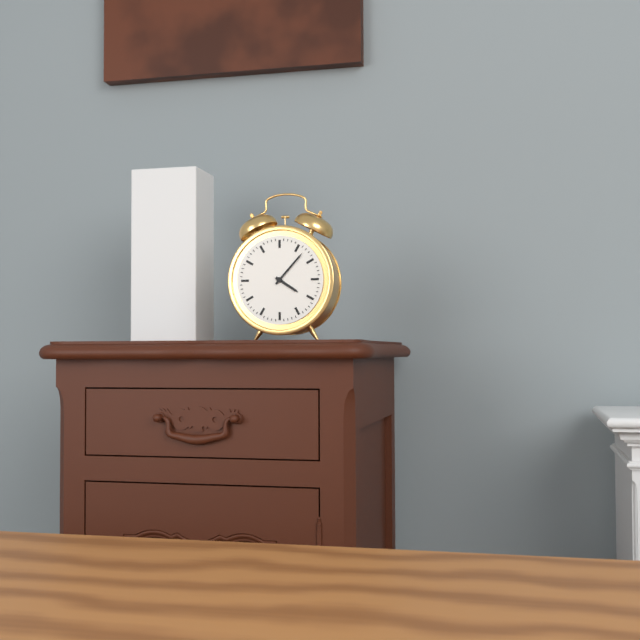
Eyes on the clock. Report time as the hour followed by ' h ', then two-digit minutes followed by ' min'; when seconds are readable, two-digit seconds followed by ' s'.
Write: 4 h 07 min
